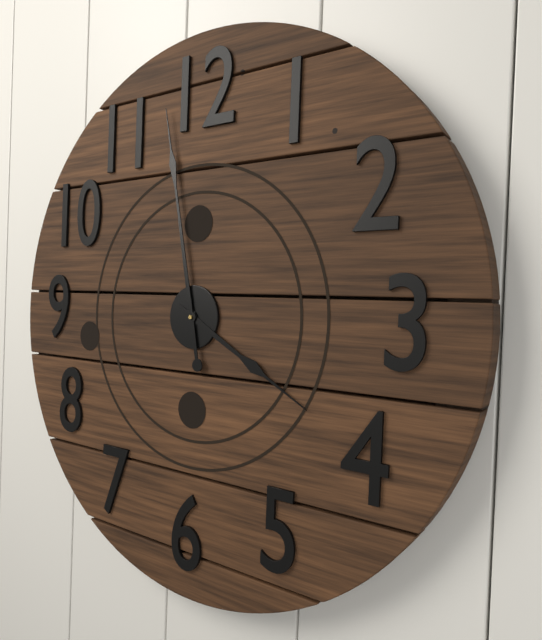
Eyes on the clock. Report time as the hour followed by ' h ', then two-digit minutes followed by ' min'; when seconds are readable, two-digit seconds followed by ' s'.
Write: 3 h 58 min
